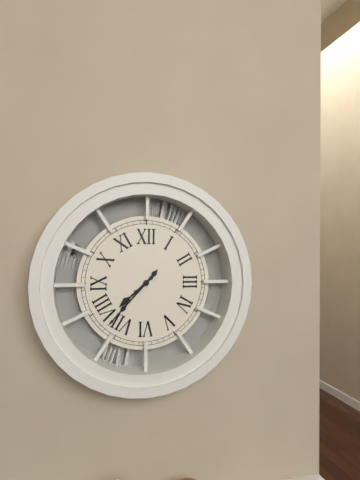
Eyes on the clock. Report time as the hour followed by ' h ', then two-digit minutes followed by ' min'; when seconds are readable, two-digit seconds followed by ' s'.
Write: 7 h 37 min
